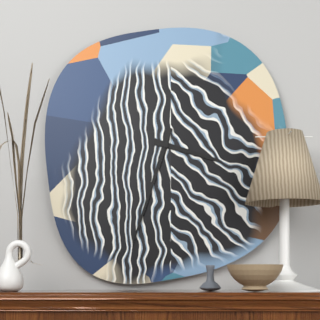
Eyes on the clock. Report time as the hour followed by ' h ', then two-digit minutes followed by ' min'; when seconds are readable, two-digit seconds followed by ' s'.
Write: 3 h 33 min
